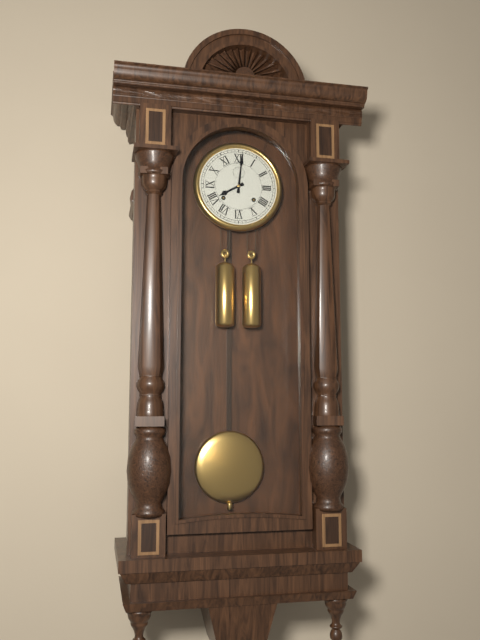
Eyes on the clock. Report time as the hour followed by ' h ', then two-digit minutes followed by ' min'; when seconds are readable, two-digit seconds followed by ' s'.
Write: 8 h 01 min
